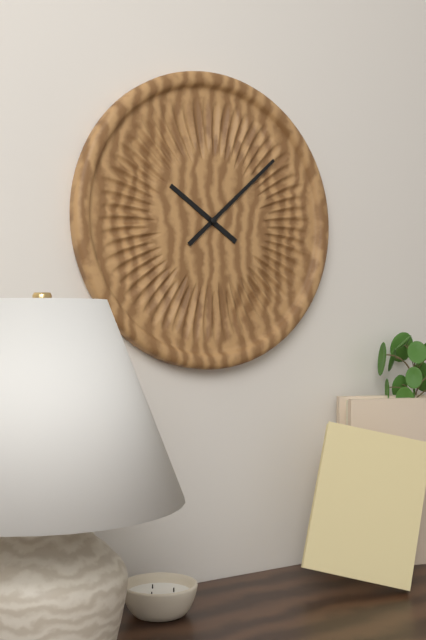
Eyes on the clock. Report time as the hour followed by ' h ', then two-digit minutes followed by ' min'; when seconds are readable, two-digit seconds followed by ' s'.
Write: 10 h 08 min
